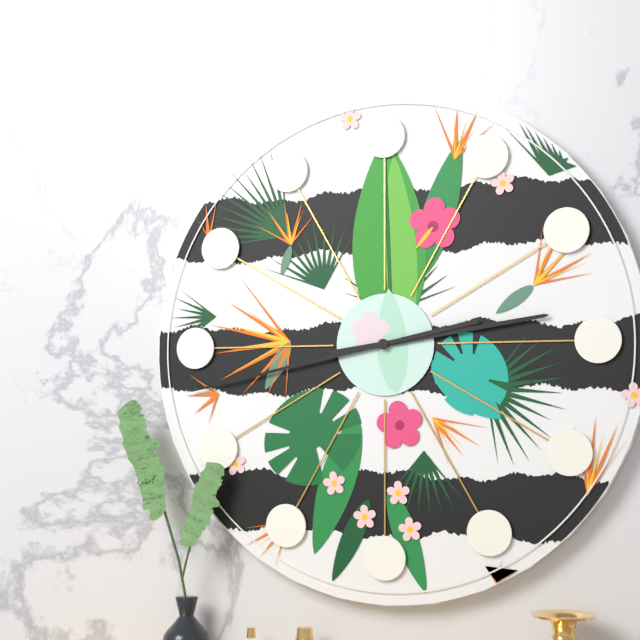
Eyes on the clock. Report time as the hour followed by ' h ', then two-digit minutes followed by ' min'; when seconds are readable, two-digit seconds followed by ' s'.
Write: 2 h 43 min
